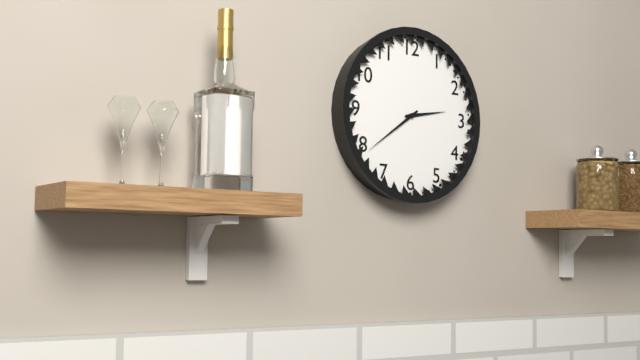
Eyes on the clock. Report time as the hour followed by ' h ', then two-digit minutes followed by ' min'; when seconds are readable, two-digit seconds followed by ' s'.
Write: 2 h 39 min
